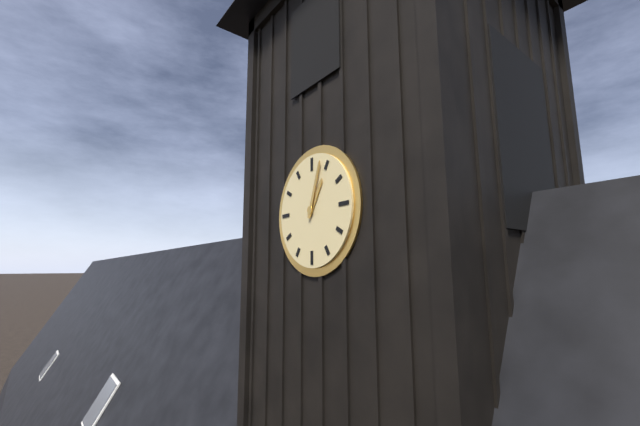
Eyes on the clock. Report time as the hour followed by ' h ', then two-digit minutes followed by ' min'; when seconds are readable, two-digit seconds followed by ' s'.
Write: 1 h 03 min
